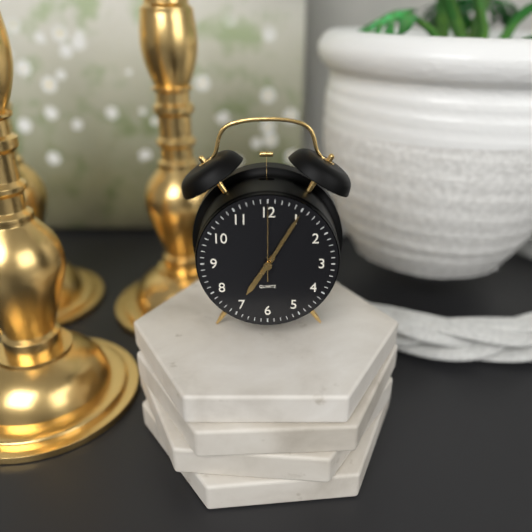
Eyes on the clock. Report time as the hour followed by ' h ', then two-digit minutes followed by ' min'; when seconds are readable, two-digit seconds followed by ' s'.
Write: 7 h 05 min 00 s
